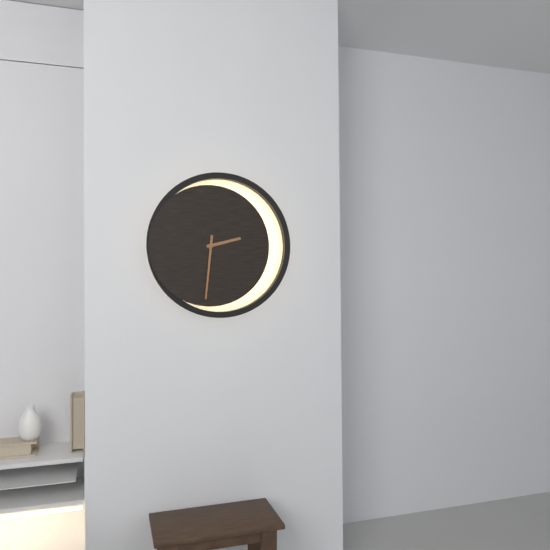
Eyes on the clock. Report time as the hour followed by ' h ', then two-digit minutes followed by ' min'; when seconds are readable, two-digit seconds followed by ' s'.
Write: 2 h 31 min
